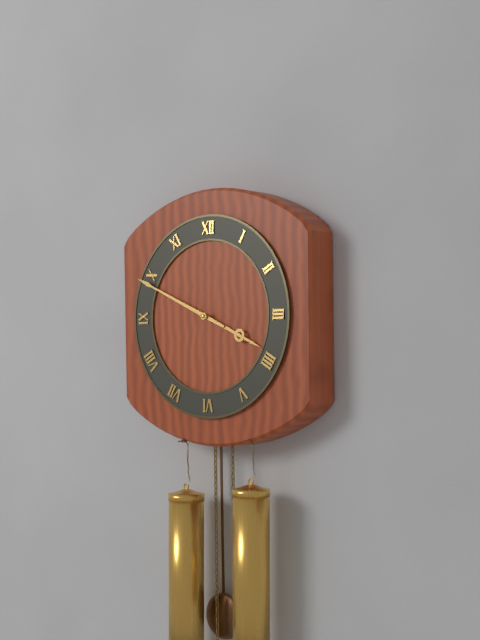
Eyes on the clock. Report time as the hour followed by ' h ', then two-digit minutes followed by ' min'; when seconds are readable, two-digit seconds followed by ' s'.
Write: 3 h 49 min
